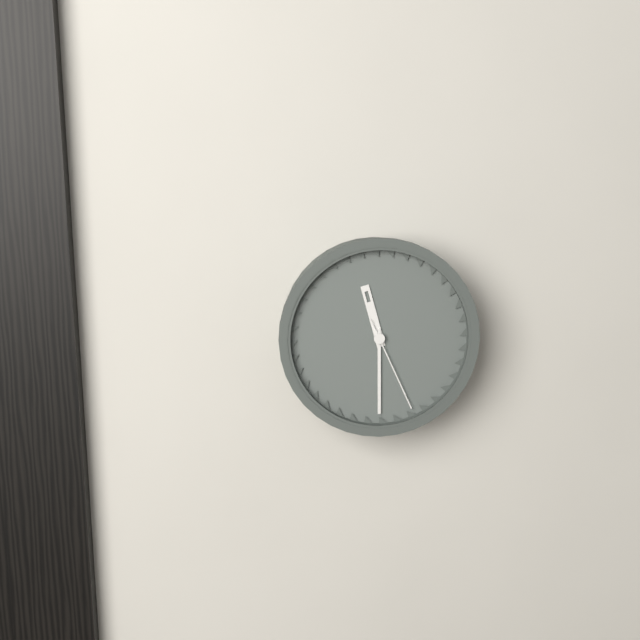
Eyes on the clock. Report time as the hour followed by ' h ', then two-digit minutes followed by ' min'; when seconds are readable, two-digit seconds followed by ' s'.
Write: 11 h 30 min 26 s
